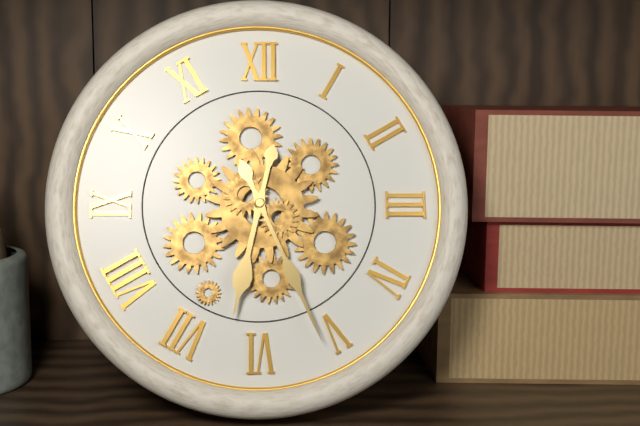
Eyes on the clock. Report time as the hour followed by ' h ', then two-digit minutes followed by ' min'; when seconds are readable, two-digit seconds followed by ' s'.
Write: 6 h 26 min
